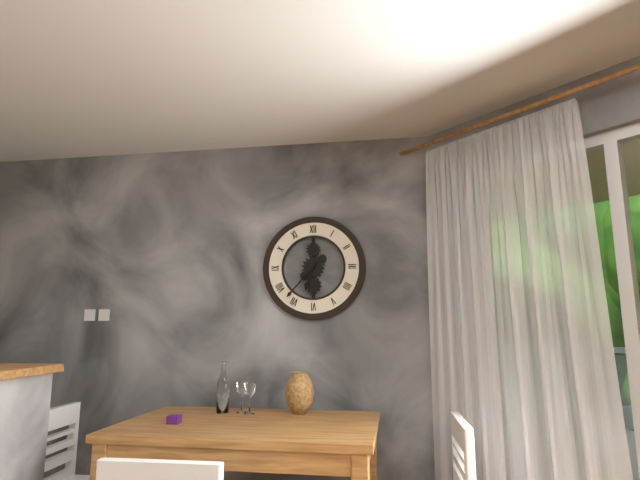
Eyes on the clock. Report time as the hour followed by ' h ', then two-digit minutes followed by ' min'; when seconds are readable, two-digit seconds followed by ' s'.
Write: 6 h 37 min
